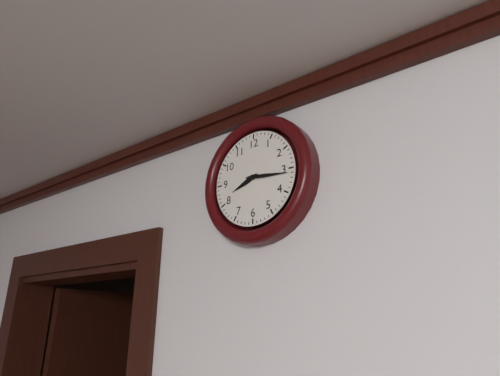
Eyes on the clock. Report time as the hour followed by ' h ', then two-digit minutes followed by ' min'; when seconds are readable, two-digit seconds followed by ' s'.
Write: 8 h 16 min
